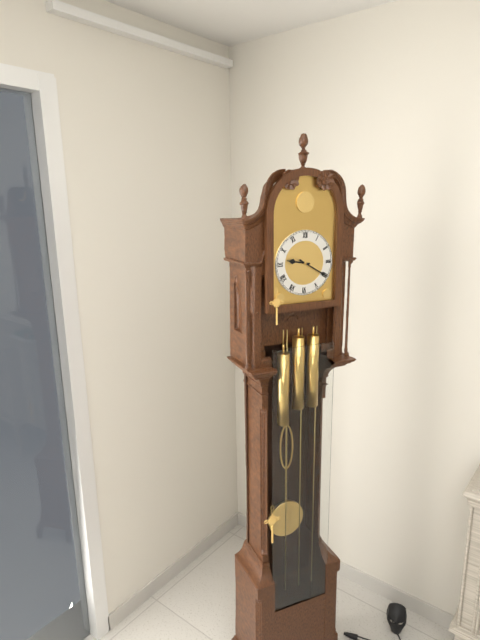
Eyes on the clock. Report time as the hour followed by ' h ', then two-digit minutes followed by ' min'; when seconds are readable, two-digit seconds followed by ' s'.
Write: 9 h 20 min
